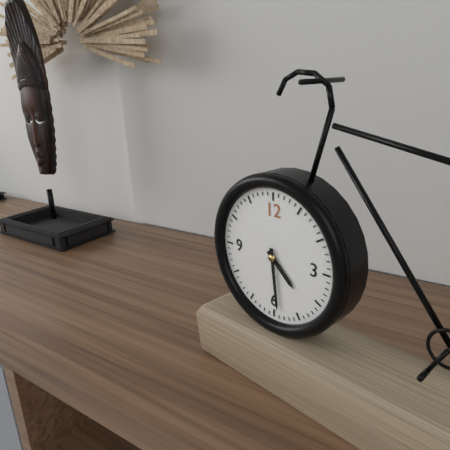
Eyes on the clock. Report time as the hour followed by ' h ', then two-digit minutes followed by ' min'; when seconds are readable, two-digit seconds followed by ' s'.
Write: 4 h 29 min
